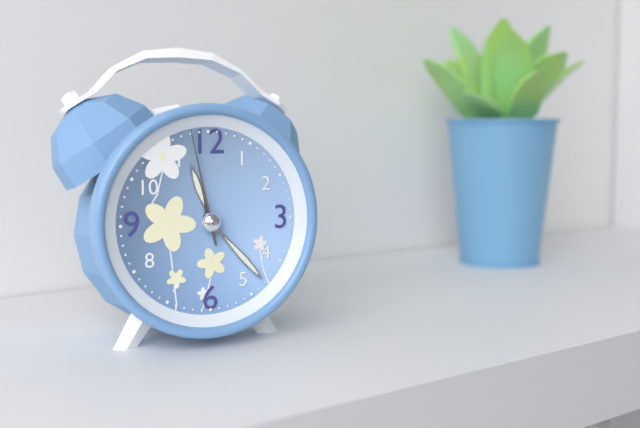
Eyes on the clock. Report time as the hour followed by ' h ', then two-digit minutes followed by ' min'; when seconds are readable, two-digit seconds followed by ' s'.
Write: 11 h 23 min 58 s
